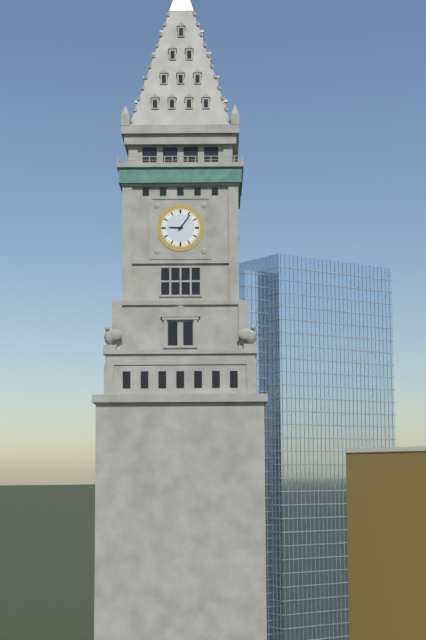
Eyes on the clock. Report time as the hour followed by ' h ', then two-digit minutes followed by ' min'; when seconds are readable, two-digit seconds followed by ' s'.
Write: 9 h 06 min
